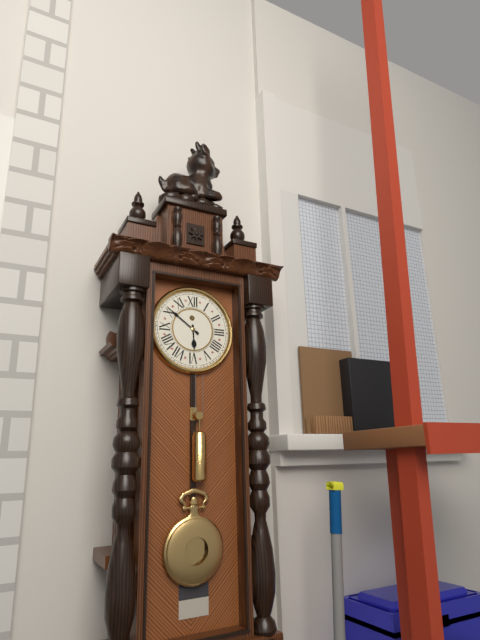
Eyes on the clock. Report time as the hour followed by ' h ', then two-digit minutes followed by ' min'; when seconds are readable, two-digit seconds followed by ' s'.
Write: 5 h 51 min
